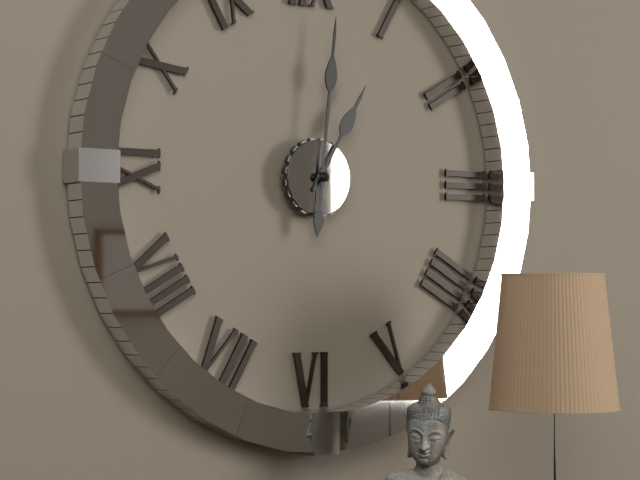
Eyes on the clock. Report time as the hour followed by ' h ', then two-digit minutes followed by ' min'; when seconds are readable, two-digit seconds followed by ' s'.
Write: 1 h 01 min
